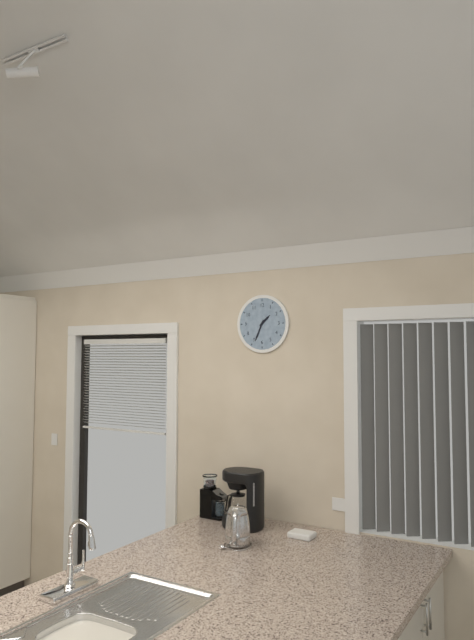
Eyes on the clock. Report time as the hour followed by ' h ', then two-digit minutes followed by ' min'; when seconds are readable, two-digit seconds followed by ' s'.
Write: 1 h 34 min
